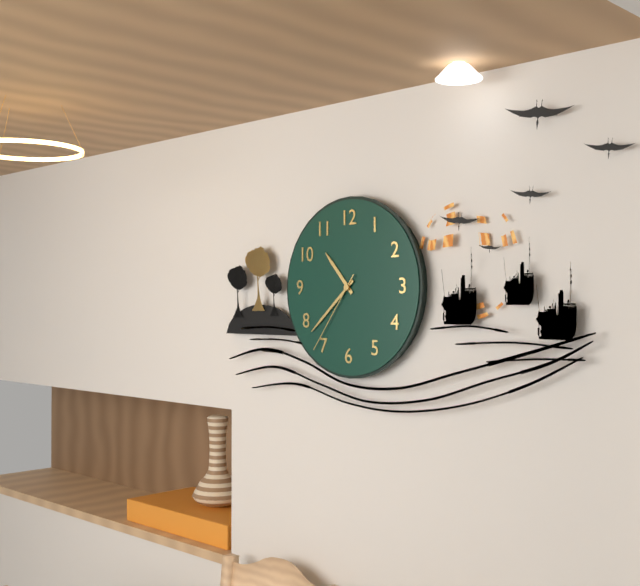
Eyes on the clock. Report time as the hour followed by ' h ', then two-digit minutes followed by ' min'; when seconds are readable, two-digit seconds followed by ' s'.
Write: 10 h 38 min 36 s
